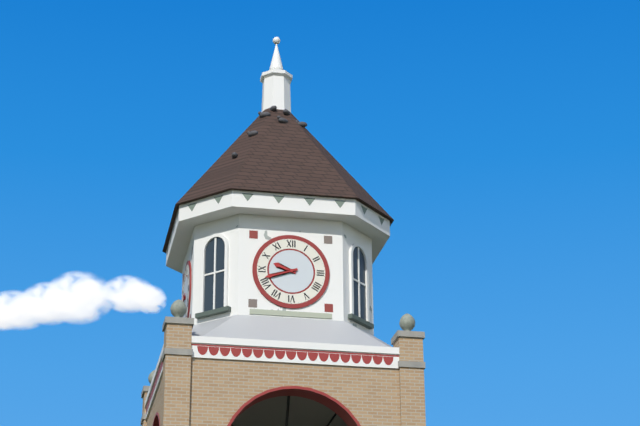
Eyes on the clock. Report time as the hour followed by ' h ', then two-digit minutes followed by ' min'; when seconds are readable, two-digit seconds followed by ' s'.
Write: 9 h 42 min
